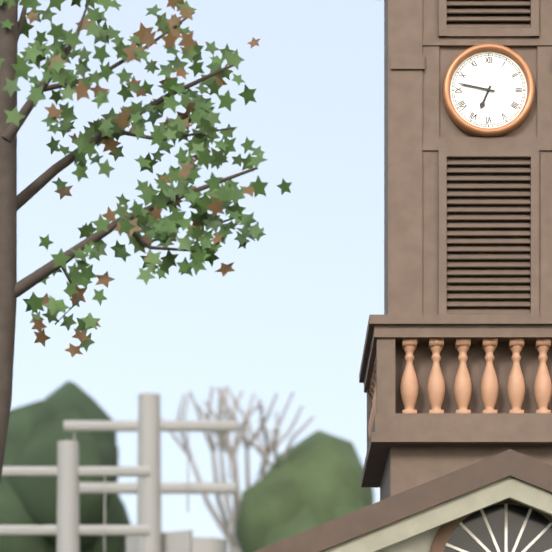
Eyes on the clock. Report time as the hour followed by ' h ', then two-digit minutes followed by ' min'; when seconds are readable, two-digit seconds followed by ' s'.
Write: 6 h 47 min
